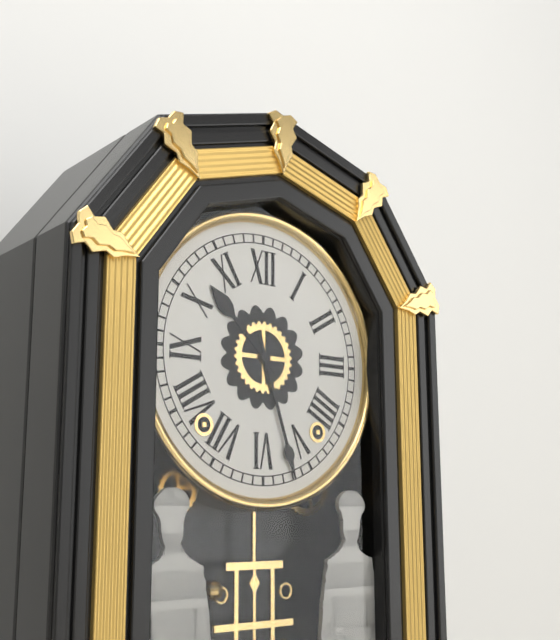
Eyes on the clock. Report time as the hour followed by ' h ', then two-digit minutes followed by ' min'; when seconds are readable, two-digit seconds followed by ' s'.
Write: 10 h 27 min
